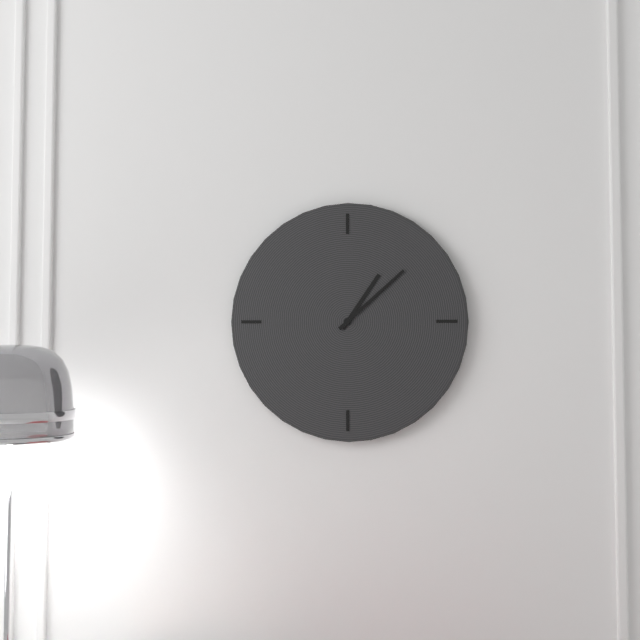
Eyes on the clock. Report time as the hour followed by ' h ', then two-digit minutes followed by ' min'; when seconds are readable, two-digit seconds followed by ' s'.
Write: 1 h 08 min
